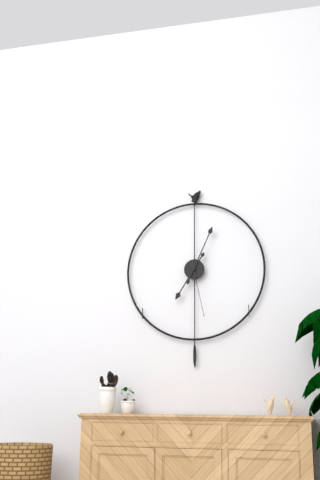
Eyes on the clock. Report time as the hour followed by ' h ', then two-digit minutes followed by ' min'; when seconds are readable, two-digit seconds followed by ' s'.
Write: 7 h 04 min 28 s
